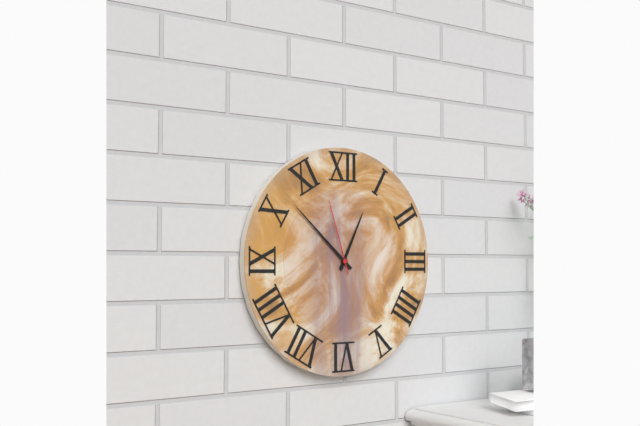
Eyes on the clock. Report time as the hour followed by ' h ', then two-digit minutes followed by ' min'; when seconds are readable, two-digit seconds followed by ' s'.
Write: 12 h 52 min 57 s
